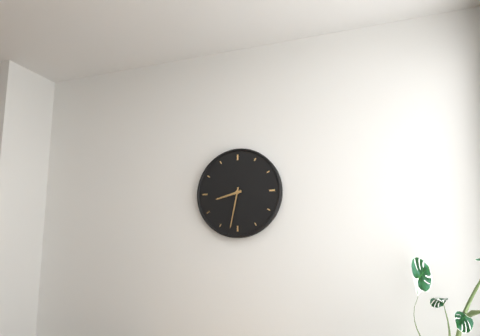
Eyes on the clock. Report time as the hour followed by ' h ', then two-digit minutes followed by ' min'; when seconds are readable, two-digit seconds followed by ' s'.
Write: 8 h 32 min
